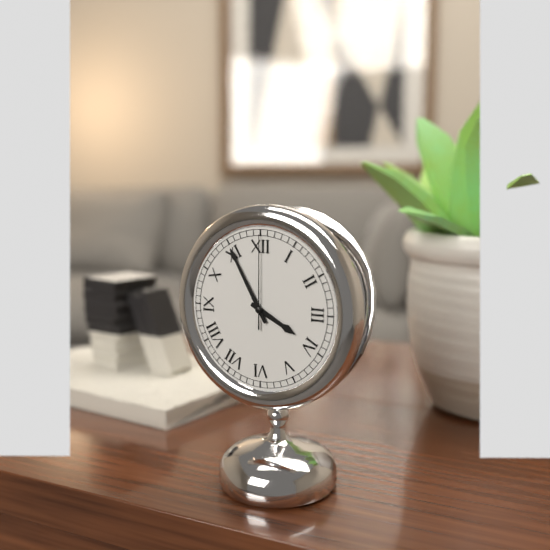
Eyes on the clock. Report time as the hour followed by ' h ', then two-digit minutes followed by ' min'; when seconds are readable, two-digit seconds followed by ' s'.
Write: 3 h 55 min 00 s
